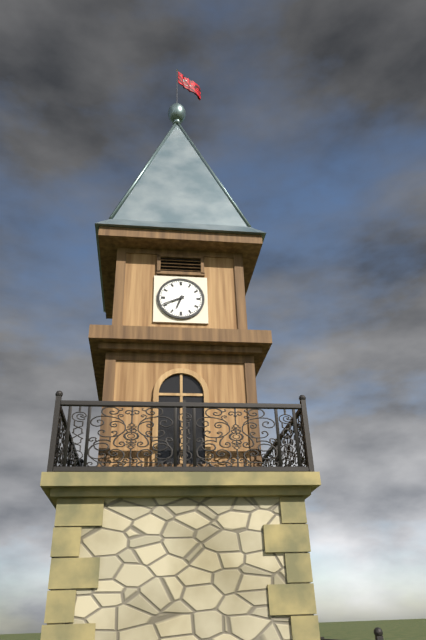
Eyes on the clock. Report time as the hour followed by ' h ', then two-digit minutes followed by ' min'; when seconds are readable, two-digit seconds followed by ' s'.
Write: 6 h 41 min
